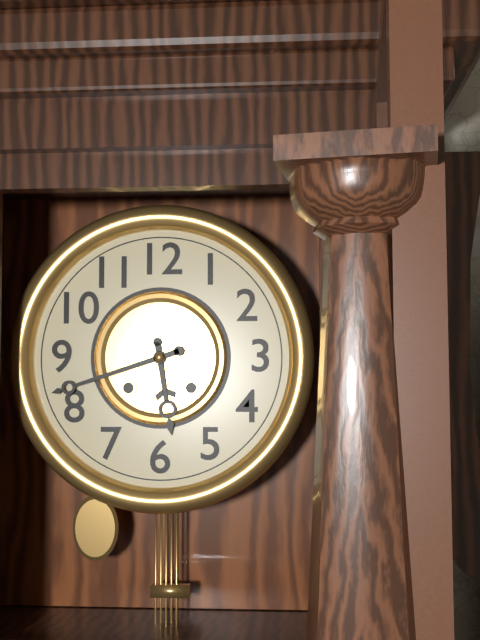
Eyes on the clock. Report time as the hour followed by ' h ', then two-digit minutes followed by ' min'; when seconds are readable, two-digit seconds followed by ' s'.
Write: 5 h 42 min
